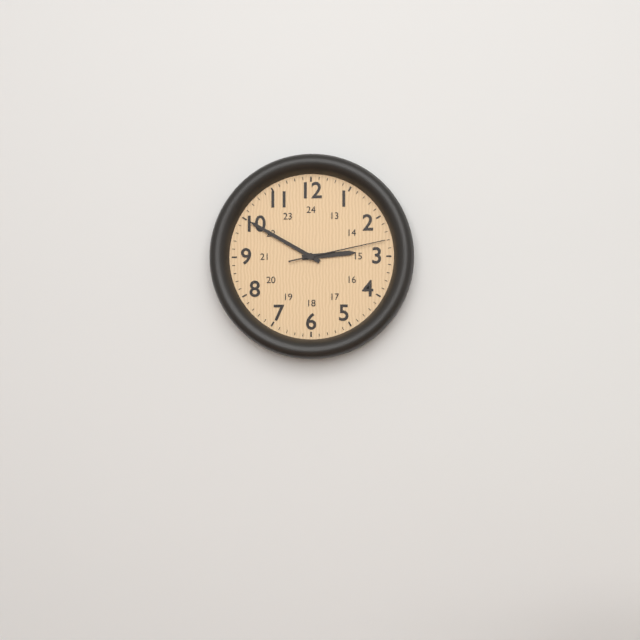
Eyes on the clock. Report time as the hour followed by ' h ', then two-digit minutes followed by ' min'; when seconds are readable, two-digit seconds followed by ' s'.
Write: 2 h 50 min 13 s
